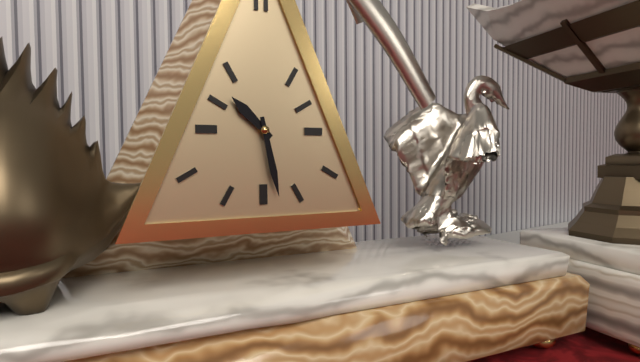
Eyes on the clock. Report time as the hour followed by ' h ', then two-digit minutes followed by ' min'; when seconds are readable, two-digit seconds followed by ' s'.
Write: 10 h 28 min
